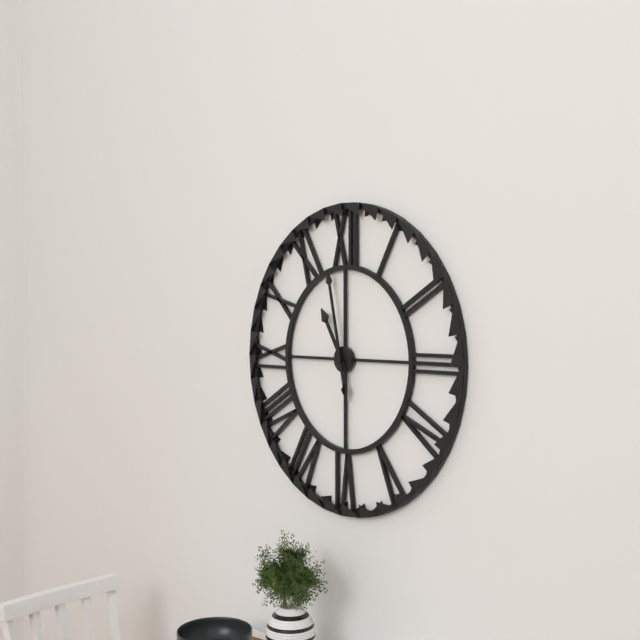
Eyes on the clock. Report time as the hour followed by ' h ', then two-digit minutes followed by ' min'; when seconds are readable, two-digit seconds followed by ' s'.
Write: 10 h 58 min
